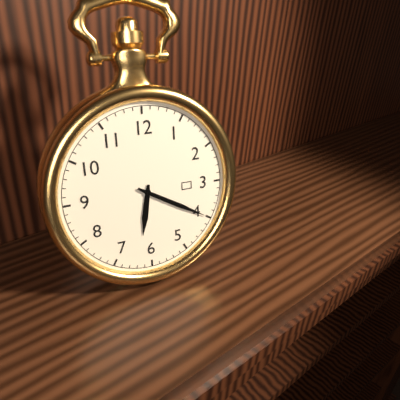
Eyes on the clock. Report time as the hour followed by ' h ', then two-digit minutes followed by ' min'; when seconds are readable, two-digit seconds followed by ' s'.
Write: 6 h 20 min
